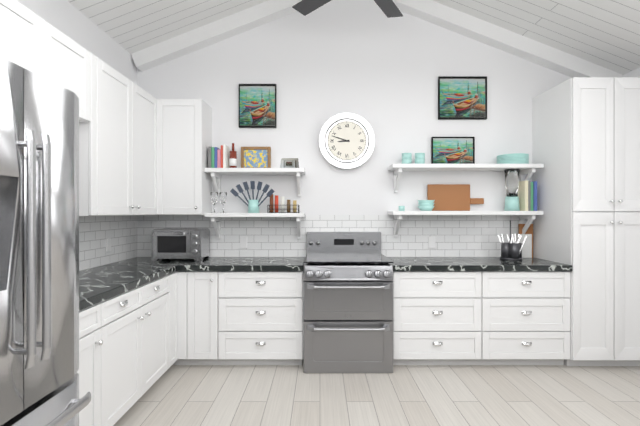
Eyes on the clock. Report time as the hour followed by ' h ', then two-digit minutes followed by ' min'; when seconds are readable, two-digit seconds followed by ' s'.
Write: 8 h 48 min
